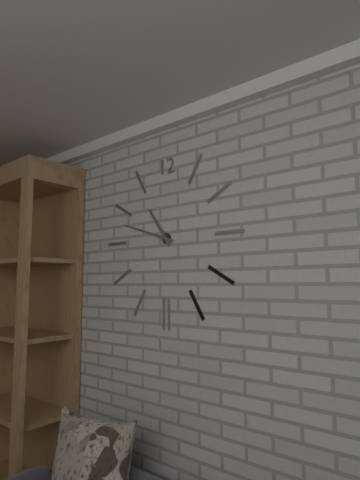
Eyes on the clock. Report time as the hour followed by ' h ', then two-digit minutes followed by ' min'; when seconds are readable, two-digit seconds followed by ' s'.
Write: 10 h 48 min
